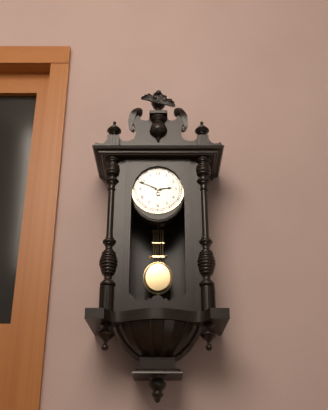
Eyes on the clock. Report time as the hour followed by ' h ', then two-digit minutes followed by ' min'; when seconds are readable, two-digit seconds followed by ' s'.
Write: 2 h 49 min
